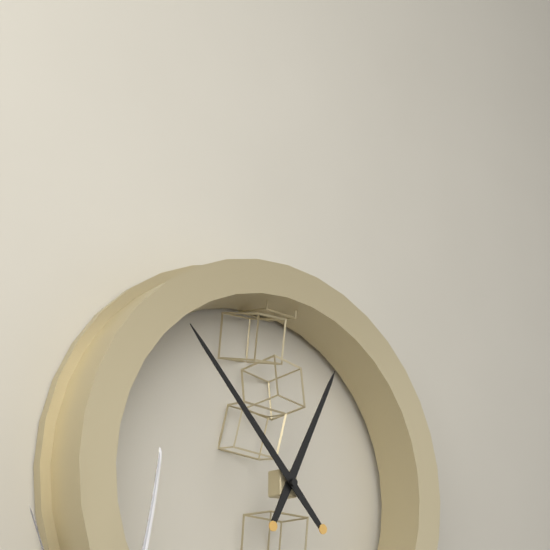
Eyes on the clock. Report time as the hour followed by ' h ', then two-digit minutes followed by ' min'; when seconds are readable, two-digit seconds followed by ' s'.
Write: 12 h 53 min
